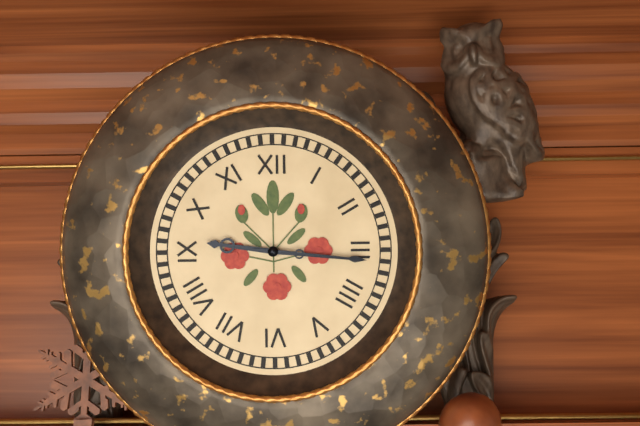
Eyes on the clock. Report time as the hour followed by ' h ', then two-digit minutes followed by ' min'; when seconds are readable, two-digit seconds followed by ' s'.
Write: 9 h 16 min
